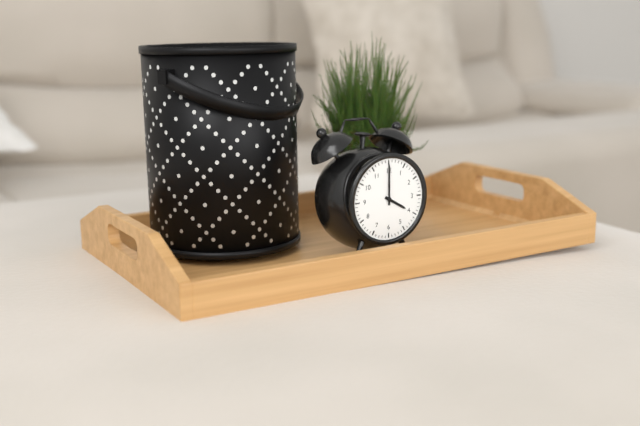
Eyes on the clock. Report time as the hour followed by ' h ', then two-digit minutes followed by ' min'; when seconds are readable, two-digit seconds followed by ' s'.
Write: 4 h 00 min
